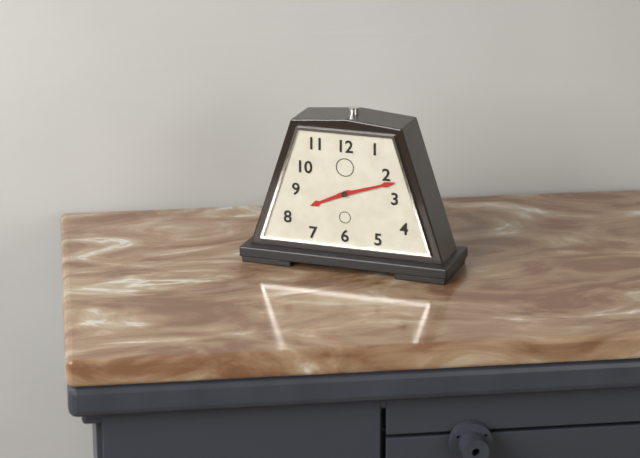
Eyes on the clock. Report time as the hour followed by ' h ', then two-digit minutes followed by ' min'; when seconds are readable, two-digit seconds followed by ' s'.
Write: 8 h 12 min
